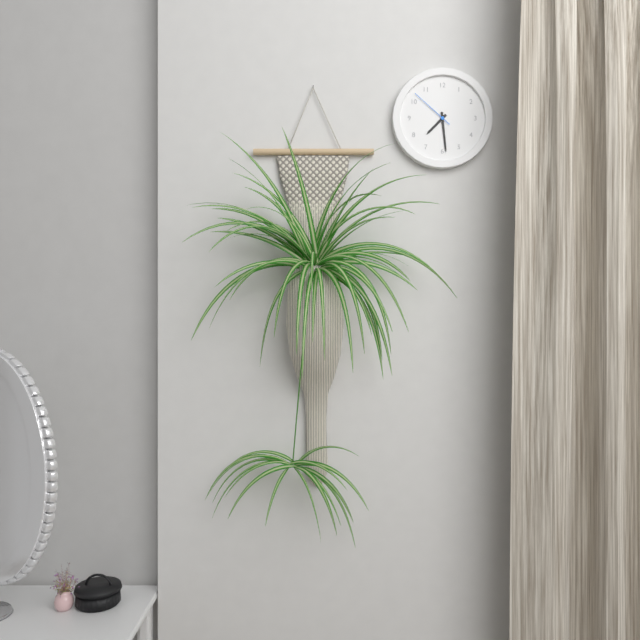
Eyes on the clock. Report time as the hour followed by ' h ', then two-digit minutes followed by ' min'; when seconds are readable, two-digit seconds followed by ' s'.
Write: 7 h 29 min
